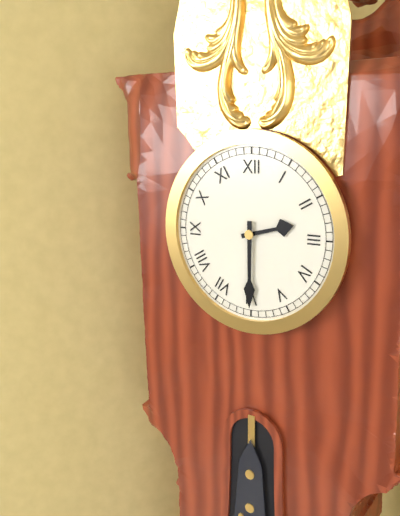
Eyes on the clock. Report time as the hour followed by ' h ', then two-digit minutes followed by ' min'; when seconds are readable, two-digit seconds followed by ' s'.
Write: 2 h 30 min
